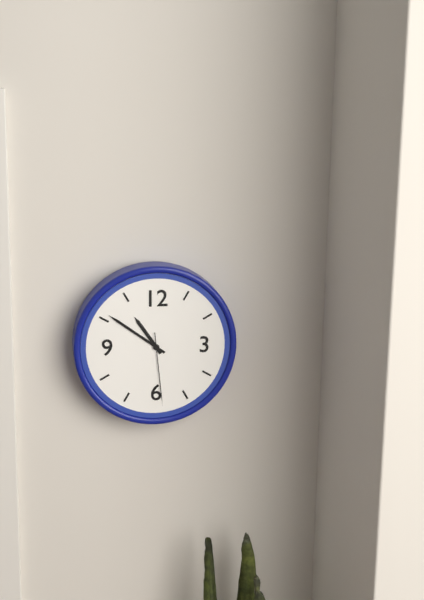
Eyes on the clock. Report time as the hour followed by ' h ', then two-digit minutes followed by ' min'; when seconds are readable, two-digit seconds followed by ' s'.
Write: 10 h 51 min 29 s
